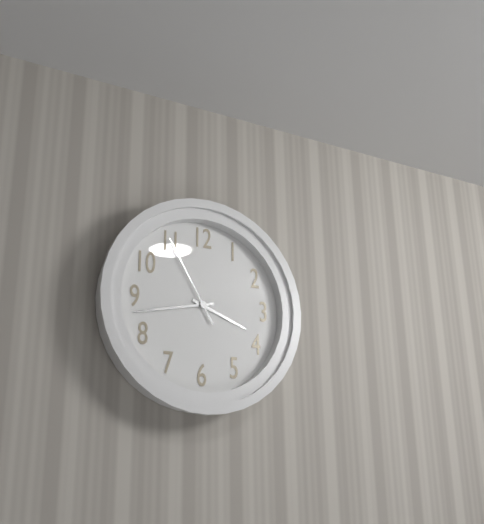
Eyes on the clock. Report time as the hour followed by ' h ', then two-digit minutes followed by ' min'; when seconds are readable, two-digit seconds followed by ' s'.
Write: 3 h 43 min 55 s
